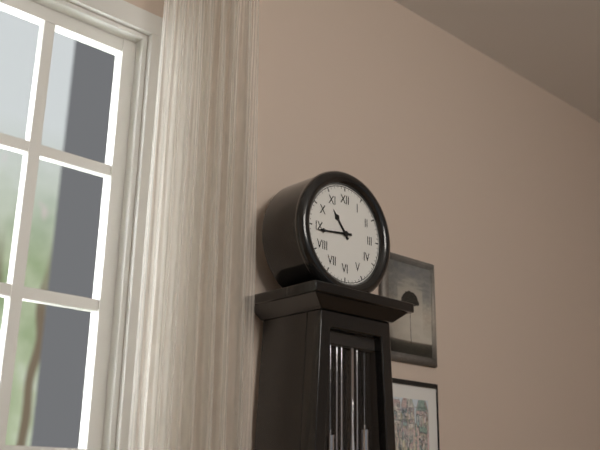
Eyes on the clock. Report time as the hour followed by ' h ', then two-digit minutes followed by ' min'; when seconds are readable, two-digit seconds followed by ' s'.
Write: 10 h 44 min
